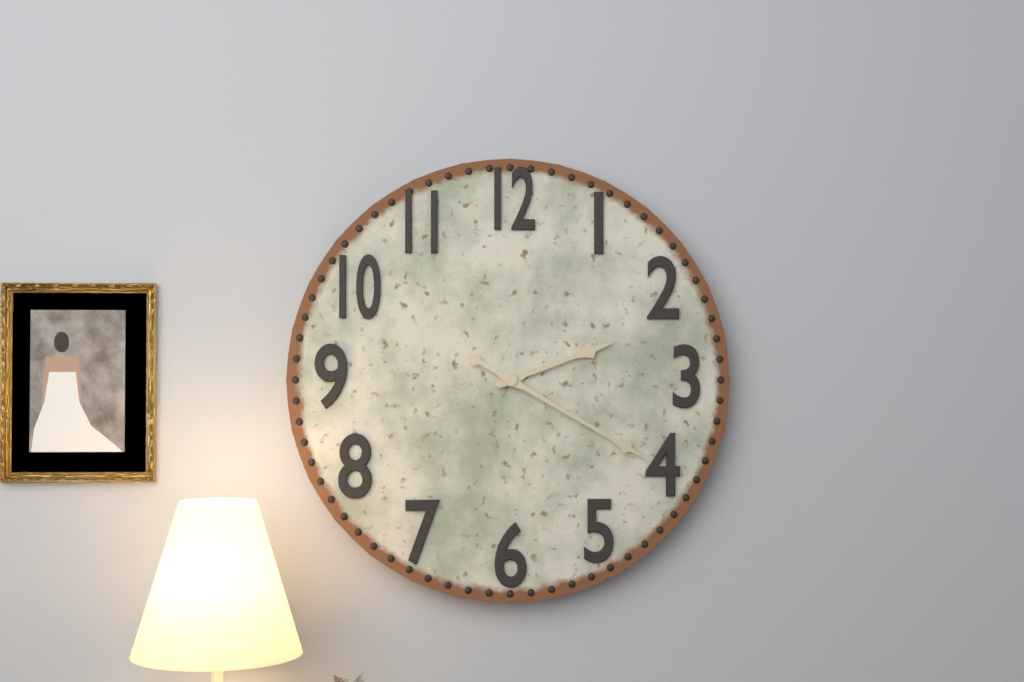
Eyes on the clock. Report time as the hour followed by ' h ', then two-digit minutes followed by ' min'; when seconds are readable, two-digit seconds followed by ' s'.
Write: 2 h 20 min
